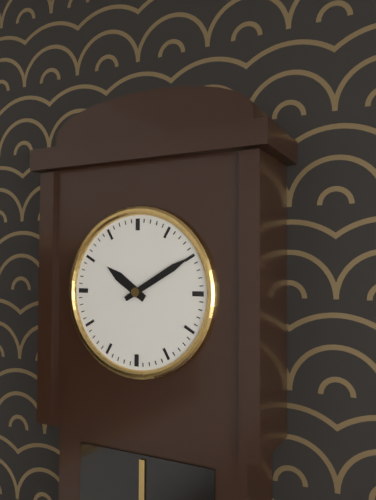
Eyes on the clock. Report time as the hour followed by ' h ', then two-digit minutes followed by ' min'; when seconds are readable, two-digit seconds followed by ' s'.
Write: 10 h 10 min
